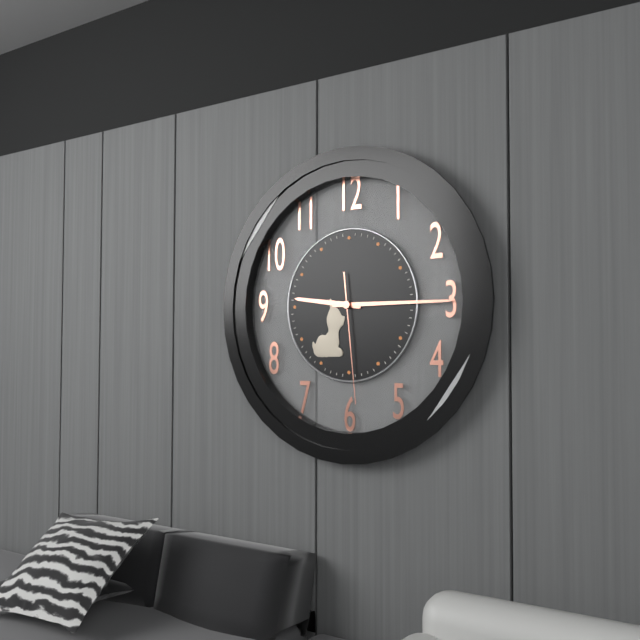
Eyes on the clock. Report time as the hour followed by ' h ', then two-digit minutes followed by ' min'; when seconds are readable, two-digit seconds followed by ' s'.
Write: 9 h 15 min 29 s
